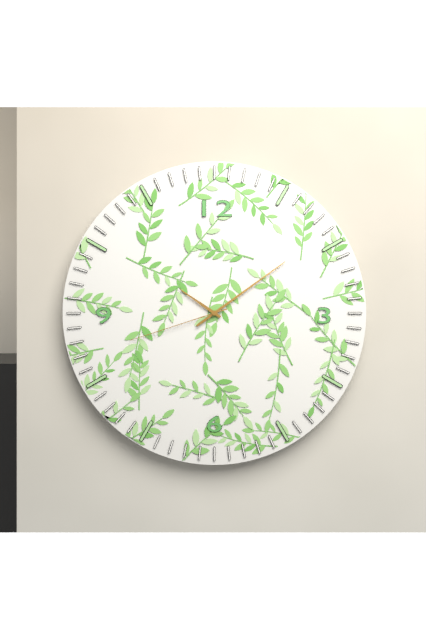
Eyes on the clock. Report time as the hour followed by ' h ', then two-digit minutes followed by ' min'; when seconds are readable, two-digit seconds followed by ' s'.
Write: 10 h 09 min 42 s
